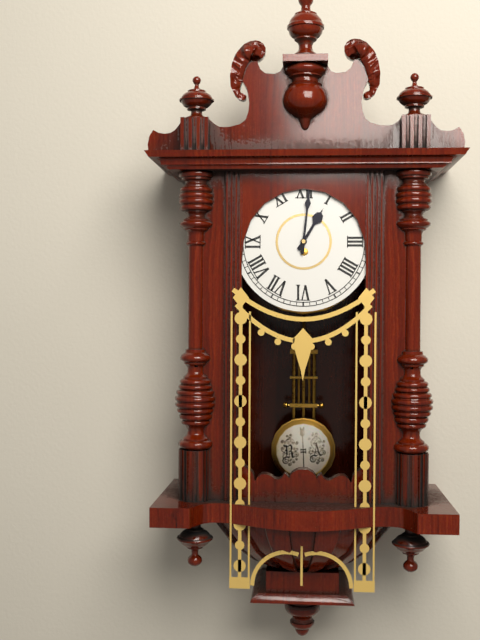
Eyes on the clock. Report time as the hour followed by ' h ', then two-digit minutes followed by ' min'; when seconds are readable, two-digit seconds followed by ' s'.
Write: 1 h 01 min
